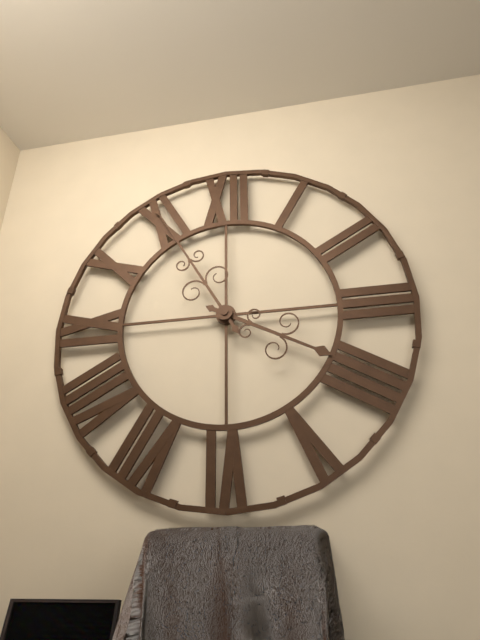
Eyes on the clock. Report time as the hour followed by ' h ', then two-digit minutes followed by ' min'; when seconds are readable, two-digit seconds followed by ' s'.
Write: 3 h 55 min
